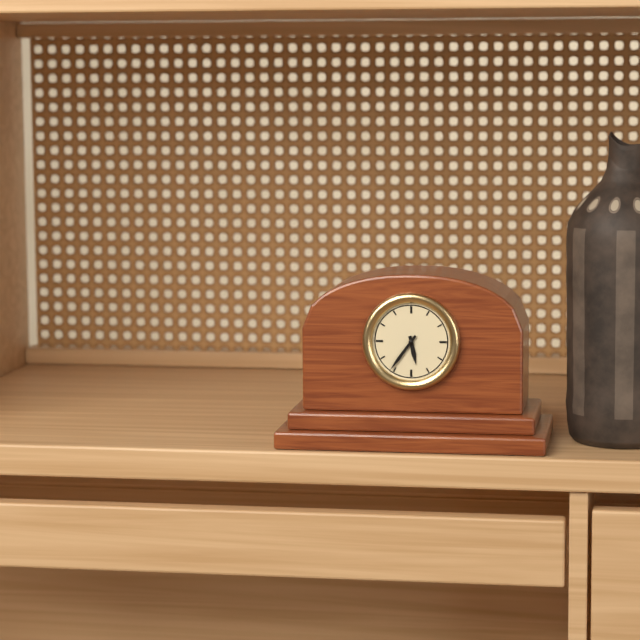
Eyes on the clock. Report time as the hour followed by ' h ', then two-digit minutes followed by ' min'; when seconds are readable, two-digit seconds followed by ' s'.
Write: 5 h 36 min
